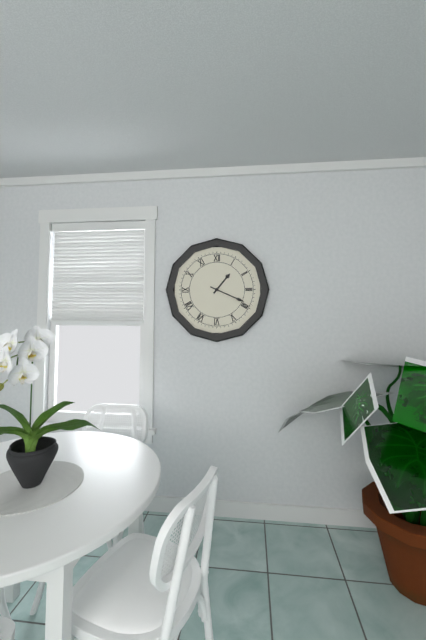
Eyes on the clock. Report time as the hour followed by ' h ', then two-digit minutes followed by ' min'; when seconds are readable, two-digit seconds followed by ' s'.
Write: 1 h 19 min
